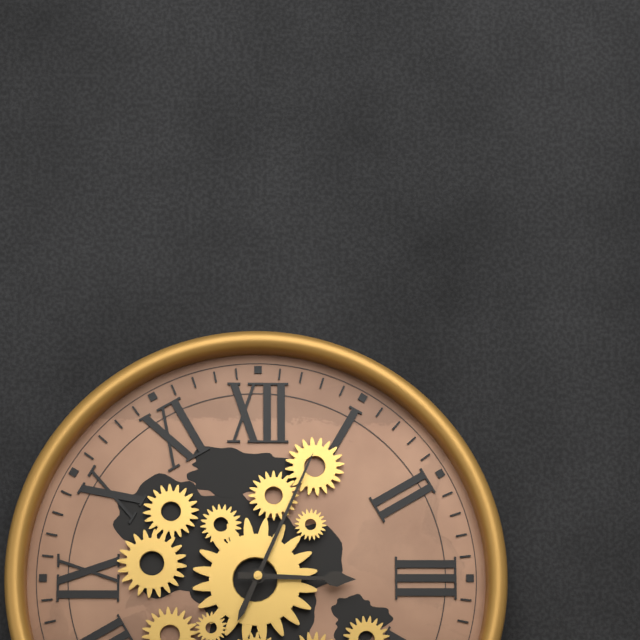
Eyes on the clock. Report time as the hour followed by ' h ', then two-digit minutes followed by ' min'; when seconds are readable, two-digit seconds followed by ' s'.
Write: 3 h 04 min
